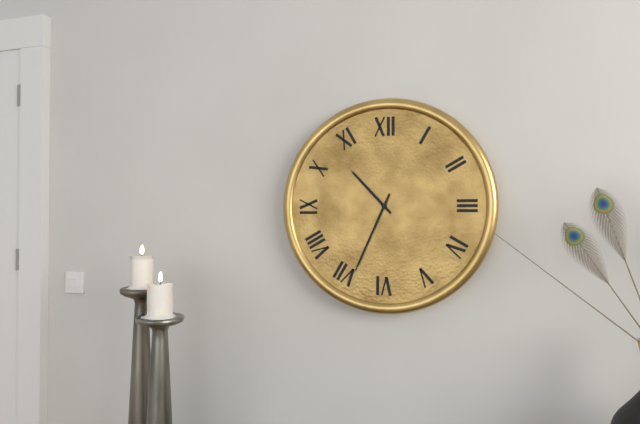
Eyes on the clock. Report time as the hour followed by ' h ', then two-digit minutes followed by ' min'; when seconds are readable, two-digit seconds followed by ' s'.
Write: 10 h 34 min
